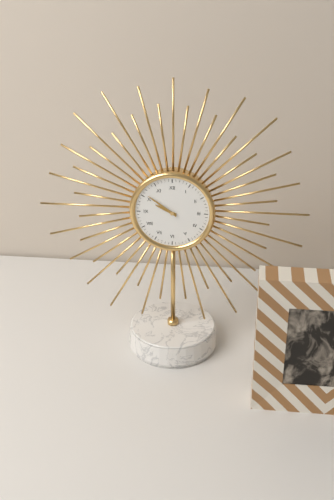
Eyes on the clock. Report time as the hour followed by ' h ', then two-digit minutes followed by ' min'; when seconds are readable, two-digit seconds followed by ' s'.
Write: 9 h 51 min
